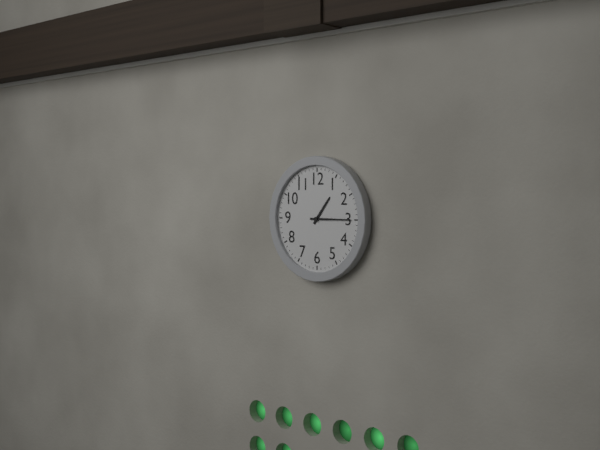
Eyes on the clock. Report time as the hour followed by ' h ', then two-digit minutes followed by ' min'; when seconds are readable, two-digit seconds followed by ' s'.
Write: 1 h 15 min
